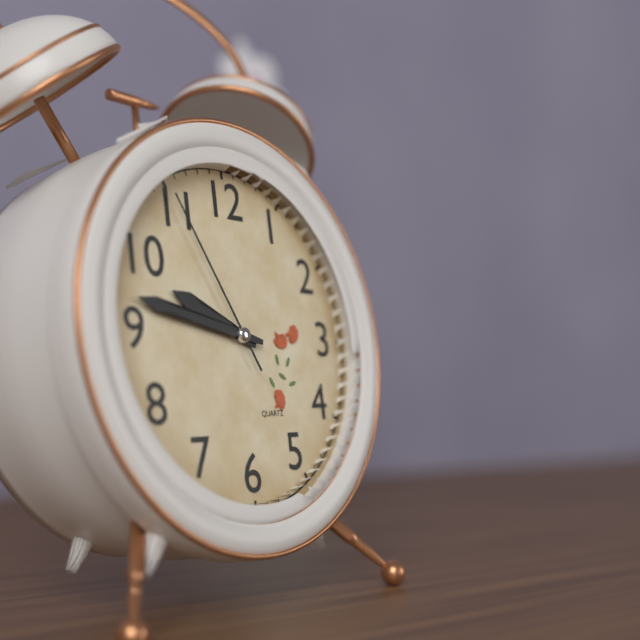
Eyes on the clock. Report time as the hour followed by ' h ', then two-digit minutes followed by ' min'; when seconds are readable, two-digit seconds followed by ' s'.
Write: 9 h 47 min 55 s
